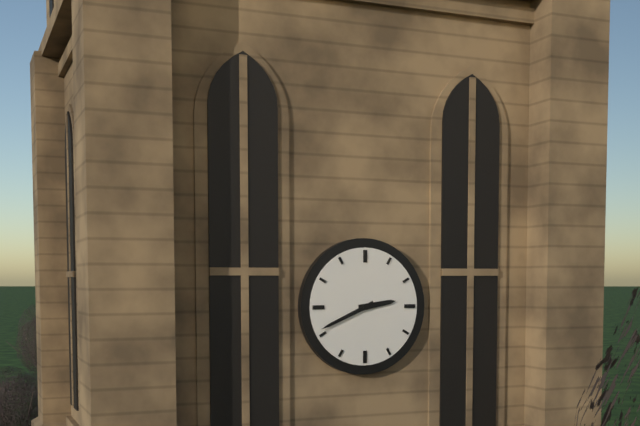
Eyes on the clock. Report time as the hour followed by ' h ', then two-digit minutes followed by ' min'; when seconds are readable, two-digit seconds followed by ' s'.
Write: 2 h 41 min
